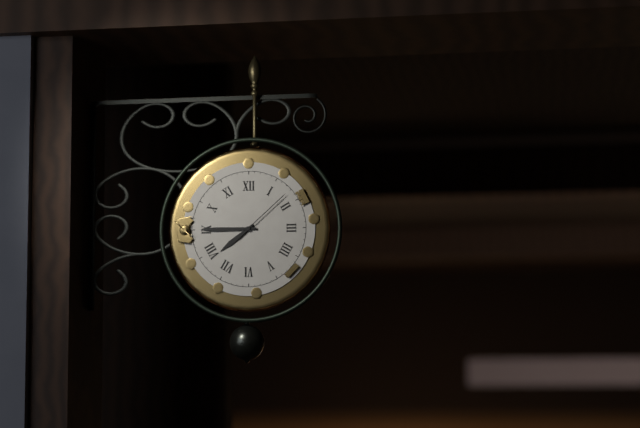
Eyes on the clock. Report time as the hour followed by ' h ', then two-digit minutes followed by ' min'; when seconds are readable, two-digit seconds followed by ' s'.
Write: 7 h 45 min 08 s
